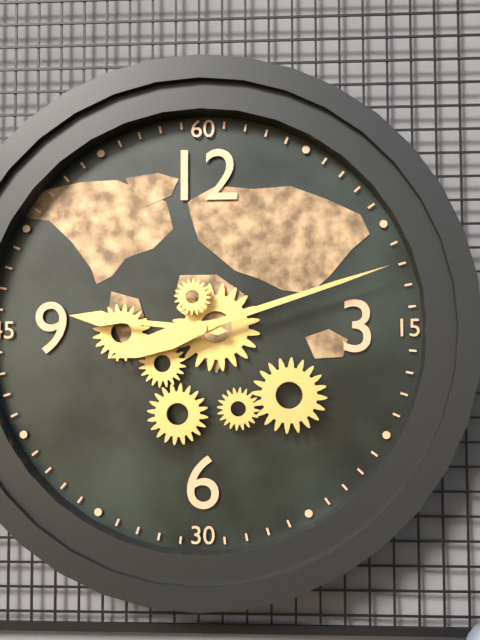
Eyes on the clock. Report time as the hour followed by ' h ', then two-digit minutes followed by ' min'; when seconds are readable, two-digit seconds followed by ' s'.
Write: 9 h 12 min
